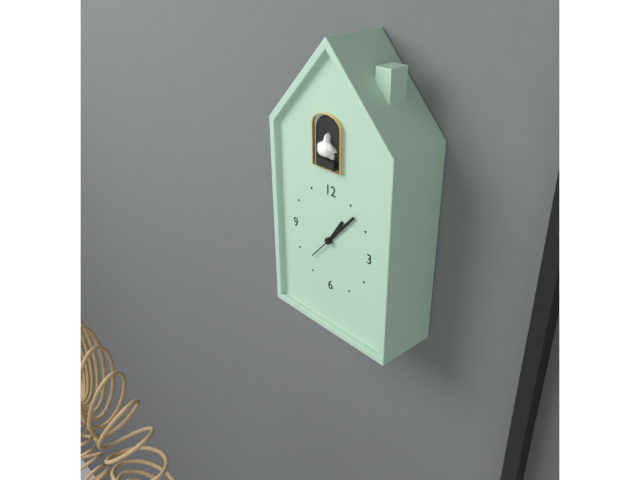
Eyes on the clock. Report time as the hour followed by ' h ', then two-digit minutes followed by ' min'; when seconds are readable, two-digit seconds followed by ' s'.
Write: 1 h 07 min
